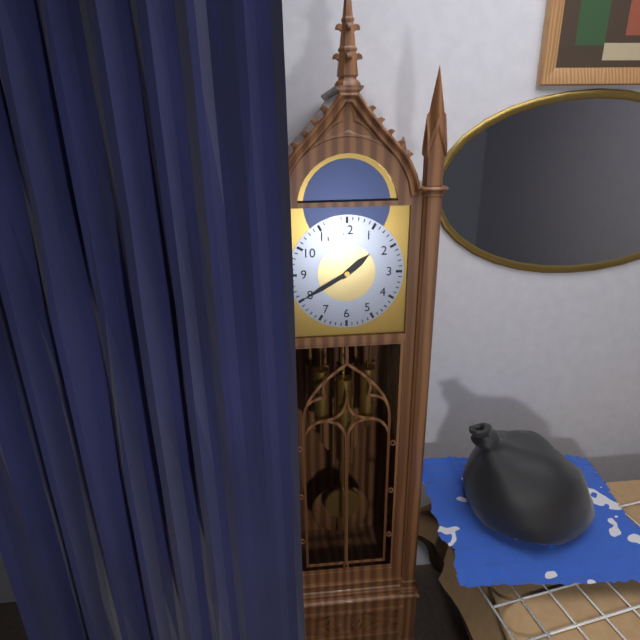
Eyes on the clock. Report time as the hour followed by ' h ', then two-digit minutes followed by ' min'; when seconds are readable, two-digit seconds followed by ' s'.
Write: 1 h 40 min
